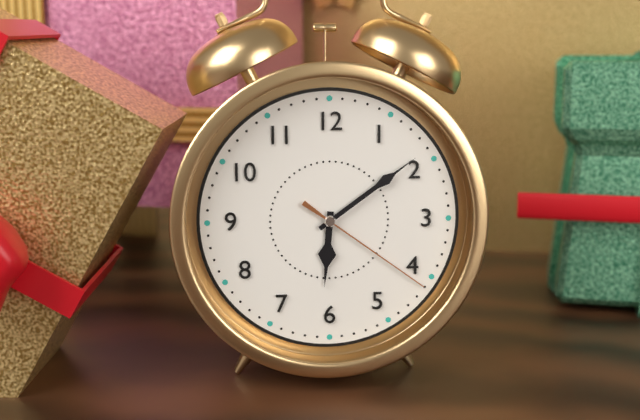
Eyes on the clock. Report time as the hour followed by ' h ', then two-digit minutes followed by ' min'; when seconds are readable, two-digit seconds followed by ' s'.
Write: 6 h 09 min 21 s
